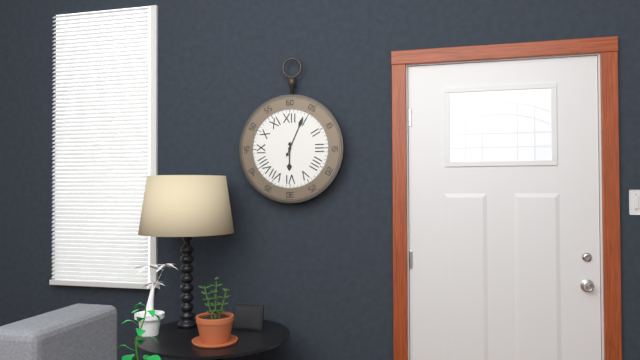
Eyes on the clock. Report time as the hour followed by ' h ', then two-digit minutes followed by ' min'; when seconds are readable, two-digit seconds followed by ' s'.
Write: 6 h 04 min
